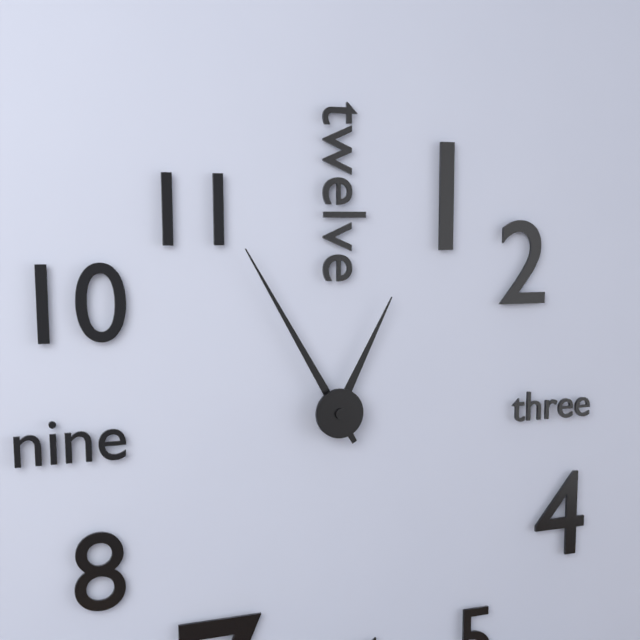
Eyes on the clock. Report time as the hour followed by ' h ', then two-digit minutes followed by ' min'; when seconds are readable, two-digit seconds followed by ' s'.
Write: 12 h 55 min
